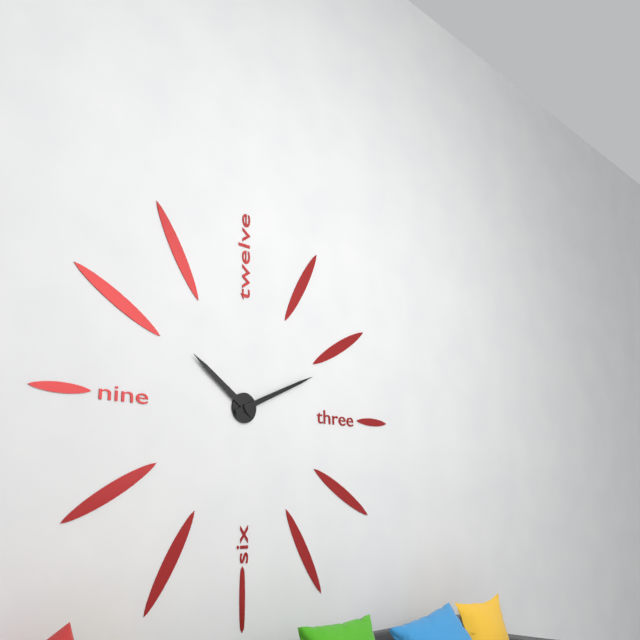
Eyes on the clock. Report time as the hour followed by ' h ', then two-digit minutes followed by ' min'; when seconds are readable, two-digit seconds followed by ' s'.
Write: 10 h 11 min
